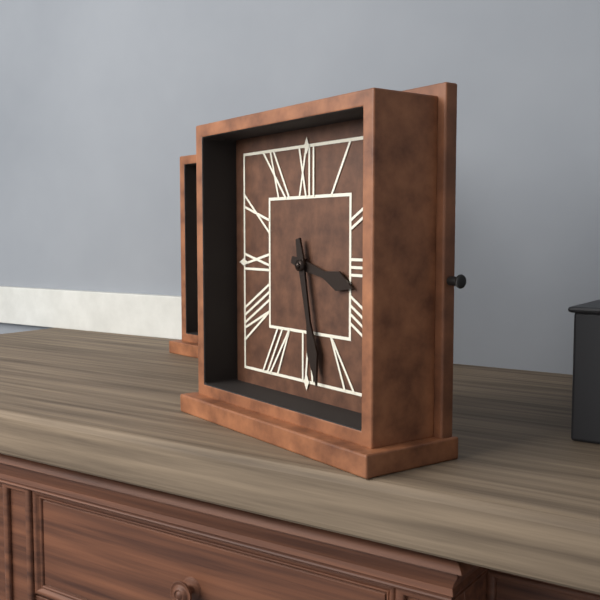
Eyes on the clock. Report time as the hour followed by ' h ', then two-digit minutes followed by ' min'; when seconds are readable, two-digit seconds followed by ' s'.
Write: 3 h 28 min
